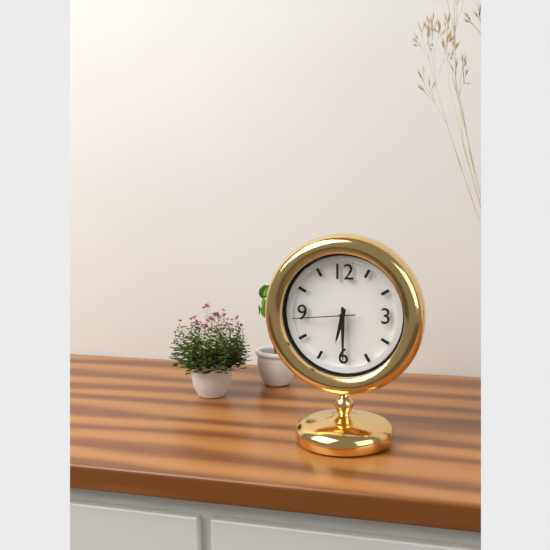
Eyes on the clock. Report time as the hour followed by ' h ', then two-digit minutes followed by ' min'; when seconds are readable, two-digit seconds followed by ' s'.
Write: 6 h 30 min 44 s
